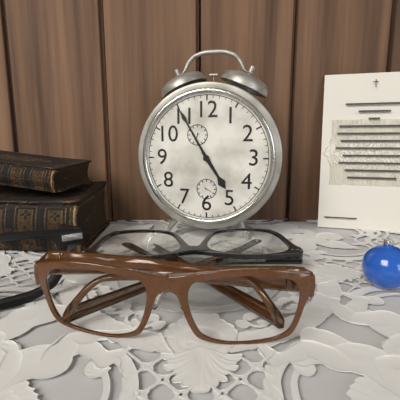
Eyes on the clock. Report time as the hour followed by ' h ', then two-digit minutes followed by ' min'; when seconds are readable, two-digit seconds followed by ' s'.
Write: 4 h 55 min
